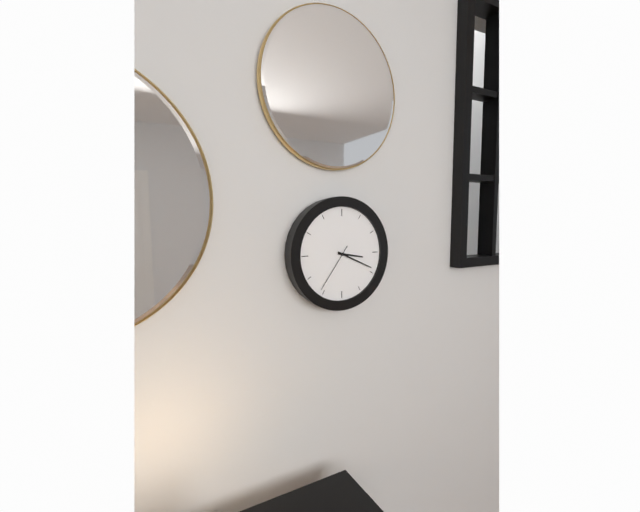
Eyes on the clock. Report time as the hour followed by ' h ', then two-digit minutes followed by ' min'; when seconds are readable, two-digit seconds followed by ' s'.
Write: 3 h 19 min 36 s
